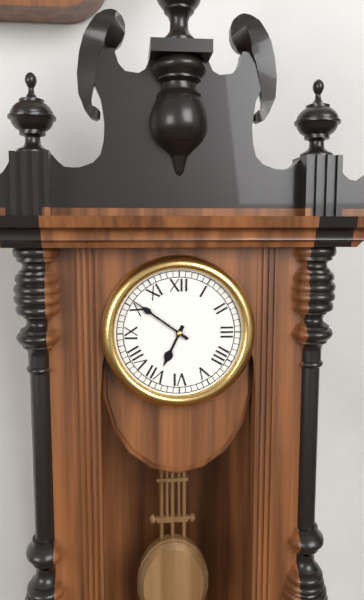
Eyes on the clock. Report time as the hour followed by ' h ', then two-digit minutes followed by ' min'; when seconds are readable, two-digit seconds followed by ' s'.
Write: 6 h 51 min
